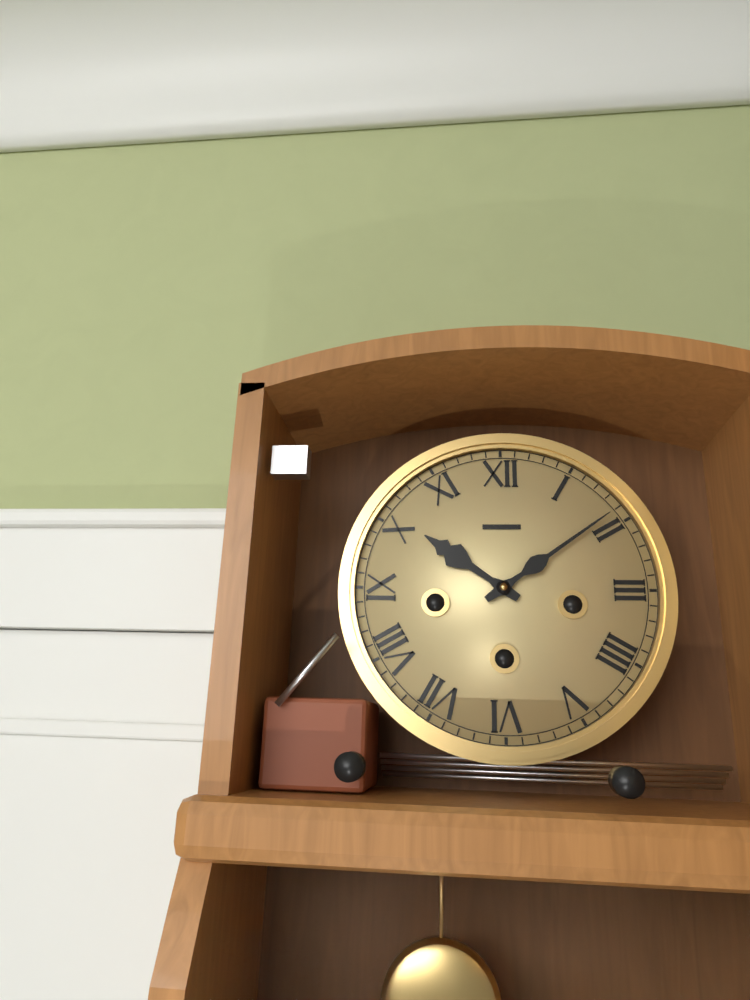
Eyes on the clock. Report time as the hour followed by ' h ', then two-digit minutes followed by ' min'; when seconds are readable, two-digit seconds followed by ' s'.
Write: 10 h 09 min
